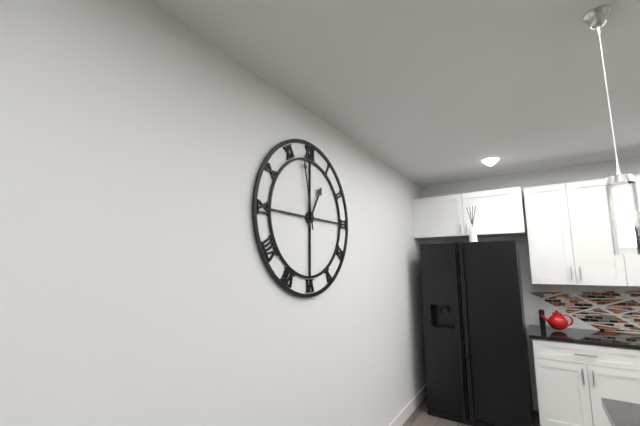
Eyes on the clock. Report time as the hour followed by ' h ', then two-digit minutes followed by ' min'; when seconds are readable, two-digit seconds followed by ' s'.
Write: 12 h 58 min
